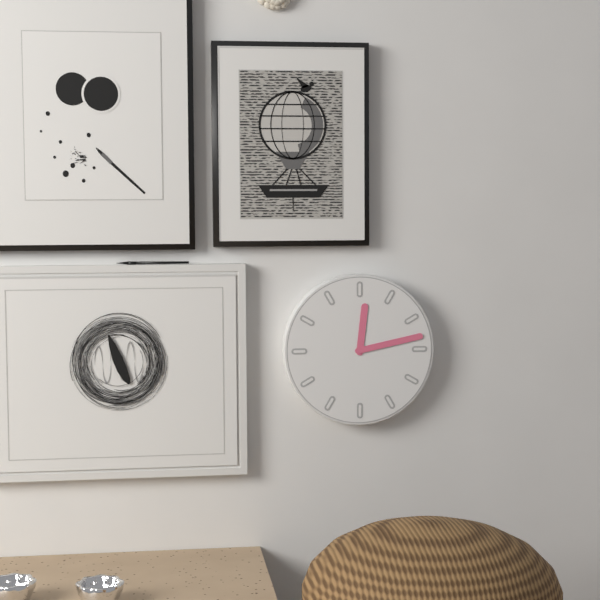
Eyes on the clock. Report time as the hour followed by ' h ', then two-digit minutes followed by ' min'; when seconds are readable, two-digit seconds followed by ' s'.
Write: 12 h 13 min
